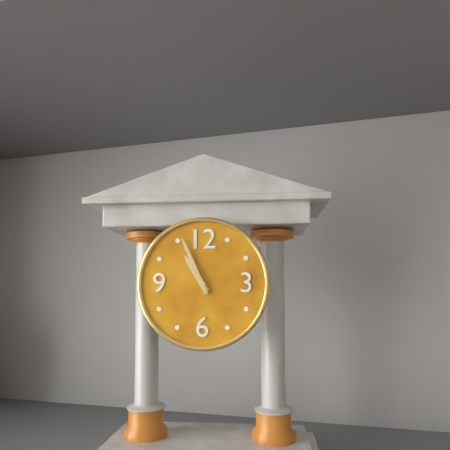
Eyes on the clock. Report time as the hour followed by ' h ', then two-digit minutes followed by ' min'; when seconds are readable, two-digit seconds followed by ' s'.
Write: 10 h 56 min
